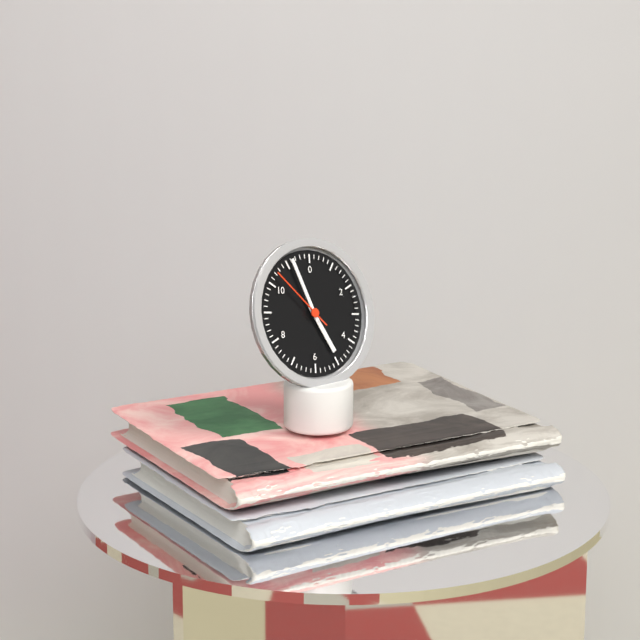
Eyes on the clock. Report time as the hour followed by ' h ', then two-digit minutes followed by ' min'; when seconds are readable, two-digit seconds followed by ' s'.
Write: 4 h 56 min 52 s
